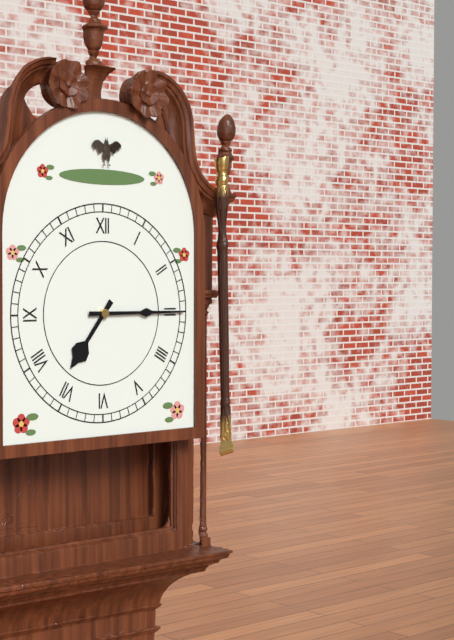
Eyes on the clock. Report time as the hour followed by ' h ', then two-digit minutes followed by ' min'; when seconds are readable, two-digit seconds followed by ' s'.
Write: 7 h 15 min
